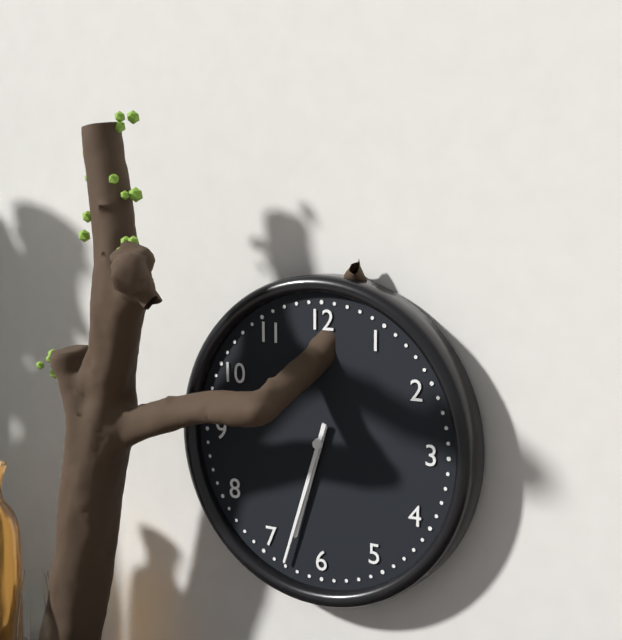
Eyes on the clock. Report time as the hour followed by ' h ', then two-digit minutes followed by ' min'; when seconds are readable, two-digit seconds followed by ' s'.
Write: 6 h 33 min
